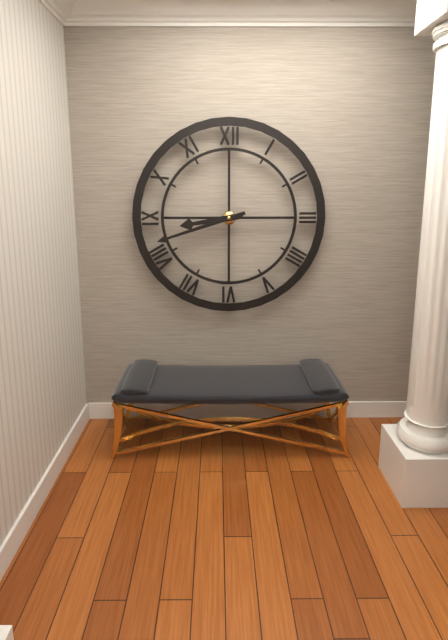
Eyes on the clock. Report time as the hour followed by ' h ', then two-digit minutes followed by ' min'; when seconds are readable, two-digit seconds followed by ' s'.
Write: 8 h 42 min
